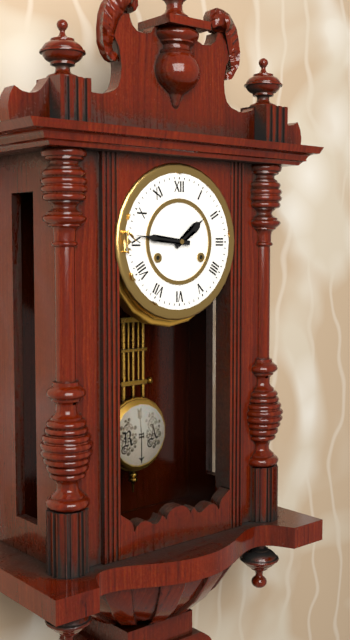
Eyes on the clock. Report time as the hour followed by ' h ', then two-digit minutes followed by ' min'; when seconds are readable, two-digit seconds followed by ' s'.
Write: 1 h 46 min
